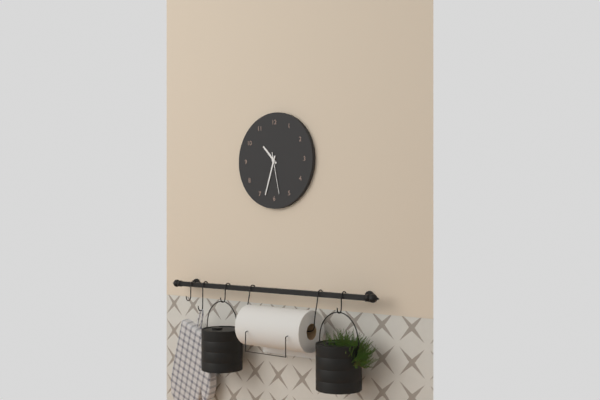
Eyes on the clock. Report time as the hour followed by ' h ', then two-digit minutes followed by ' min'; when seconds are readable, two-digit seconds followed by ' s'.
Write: 10 h 33 min
